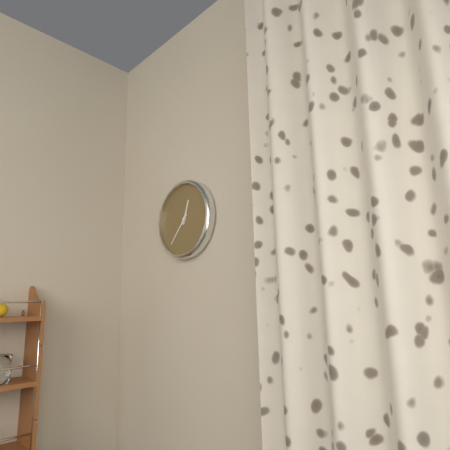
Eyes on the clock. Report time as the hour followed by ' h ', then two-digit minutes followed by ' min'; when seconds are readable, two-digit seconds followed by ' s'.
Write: 12 h 37 min
